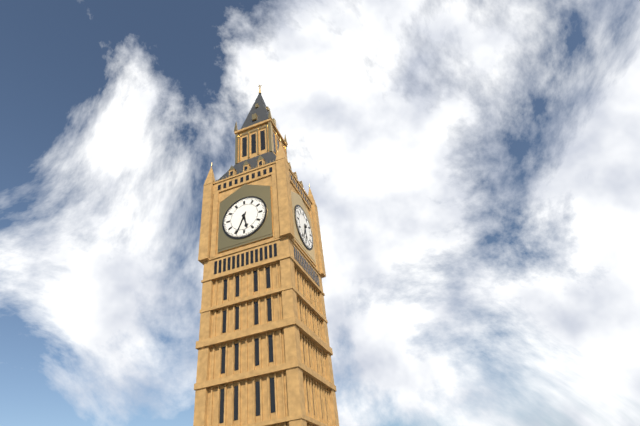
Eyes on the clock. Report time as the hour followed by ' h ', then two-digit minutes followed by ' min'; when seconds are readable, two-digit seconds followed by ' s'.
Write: 5 h 34 min
